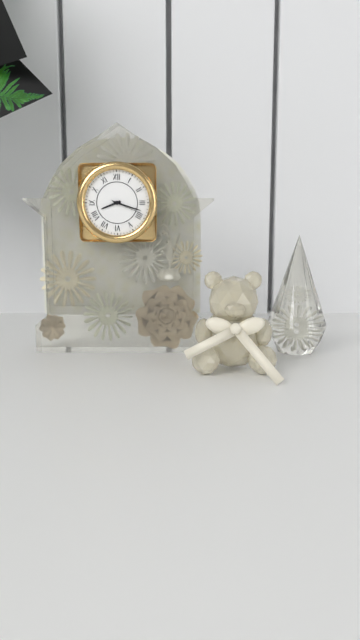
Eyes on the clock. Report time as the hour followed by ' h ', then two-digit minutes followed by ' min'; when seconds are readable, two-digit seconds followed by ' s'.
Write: 8 h 18 min
